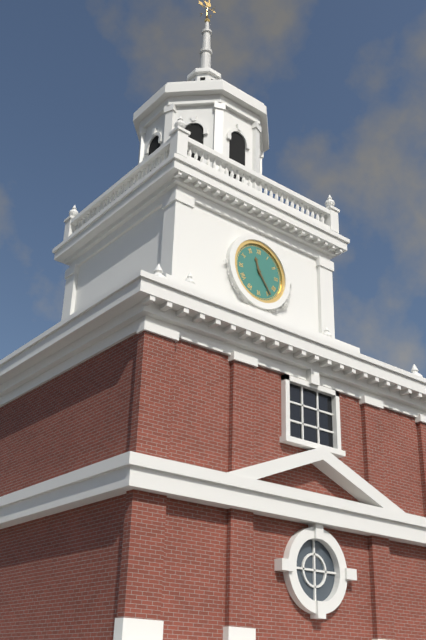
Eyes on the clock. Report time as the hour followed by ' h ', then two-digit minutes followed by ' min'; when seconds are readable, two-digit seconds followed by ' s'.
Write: 11 h 24 min
